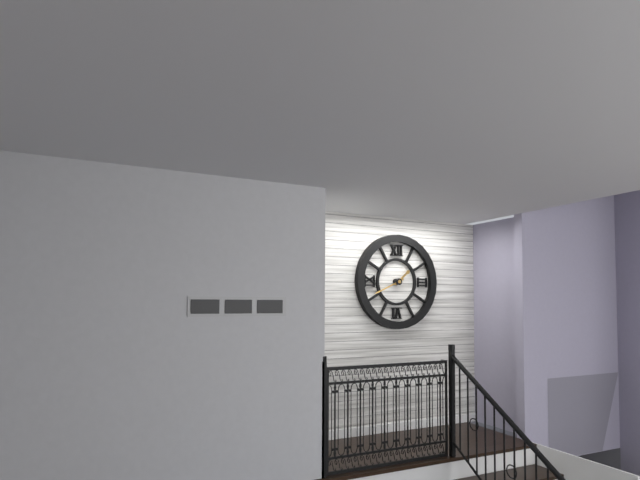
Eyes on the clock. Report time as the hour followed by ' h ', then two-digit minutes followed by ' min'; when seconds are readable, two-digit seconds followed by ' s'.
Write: 1 h 41 min
